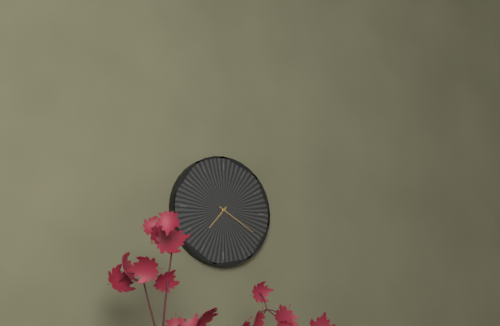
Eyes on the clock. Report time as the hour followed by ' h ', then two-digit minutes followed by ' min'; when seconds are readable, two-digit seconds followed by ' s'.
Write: 7 h 20 min
